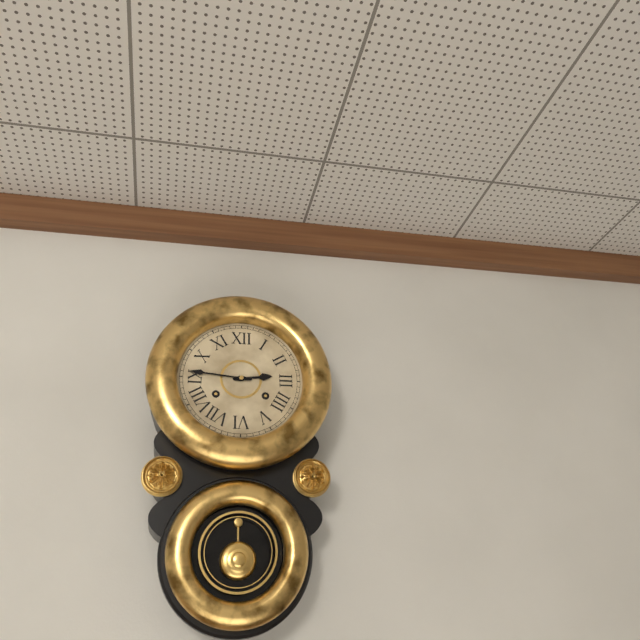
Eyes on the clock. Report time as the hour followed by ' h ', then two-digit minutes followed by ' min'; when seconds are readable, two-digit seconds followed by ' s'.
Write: 2 h 46 min
